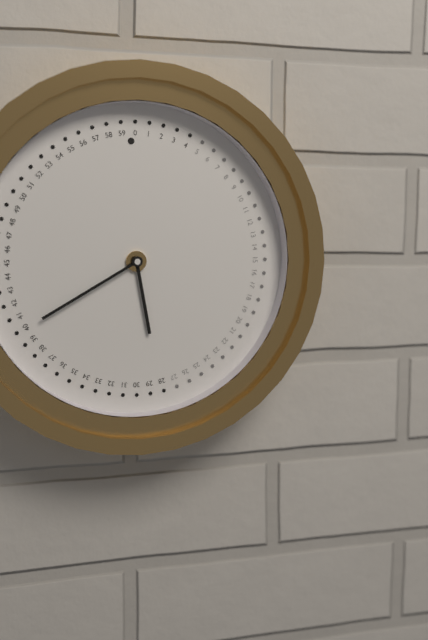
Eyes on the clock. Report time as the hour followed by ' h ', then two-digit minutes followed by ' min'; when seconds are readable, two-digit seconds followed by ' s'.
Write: 5 h 40 min
